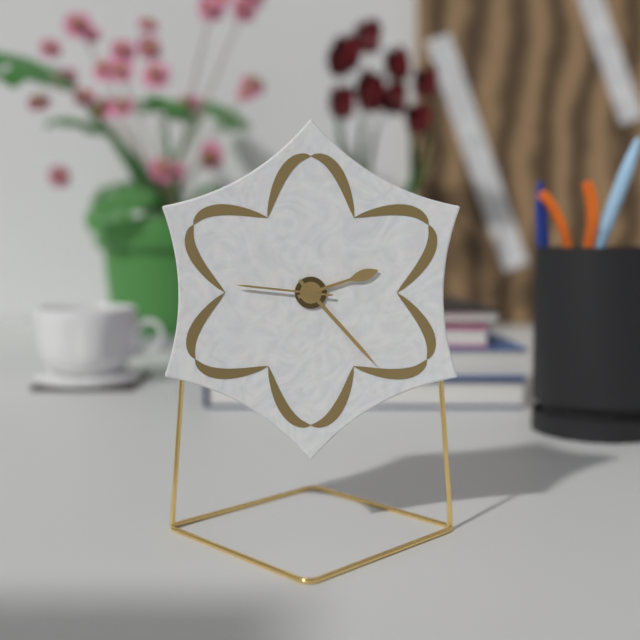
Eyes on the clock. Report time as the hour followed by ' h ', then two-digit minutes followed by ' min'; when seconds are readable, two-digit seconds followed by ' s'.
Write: 2 h 23 min 46 s
